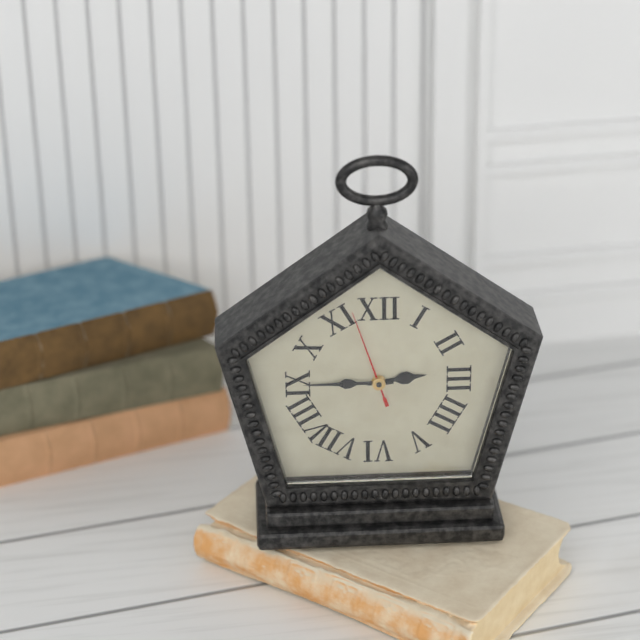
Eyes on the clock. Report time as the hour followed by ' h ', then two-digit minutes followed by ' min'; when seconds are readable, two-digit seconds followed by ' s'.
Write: 2 h 45 min 57 s
